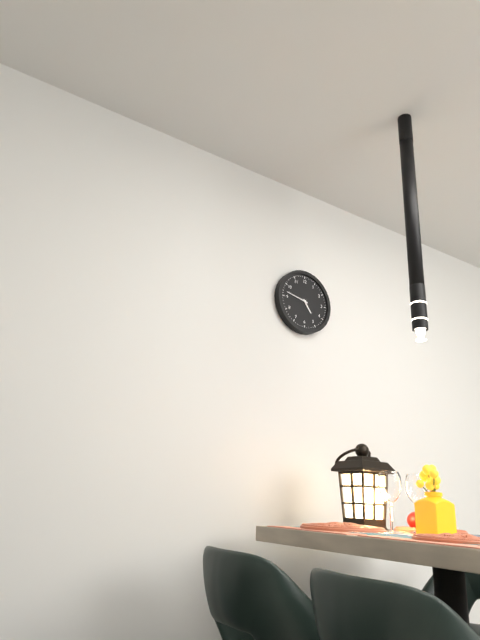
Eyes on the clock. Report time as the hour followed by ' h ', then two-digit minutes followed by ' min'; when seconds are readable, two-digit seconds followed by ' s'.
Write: 4 h 47 min
